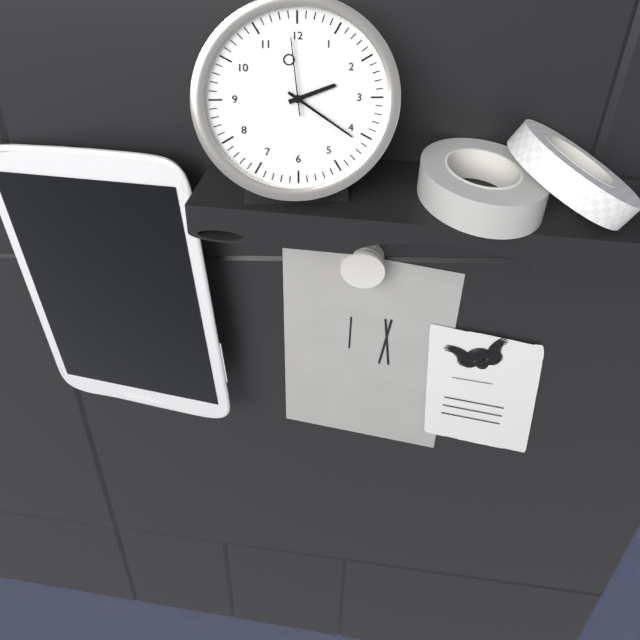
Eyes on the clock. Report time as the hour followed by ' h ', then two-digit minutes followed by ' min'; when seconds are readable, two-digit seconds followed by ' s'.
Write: 2 h 21 min 59 s
